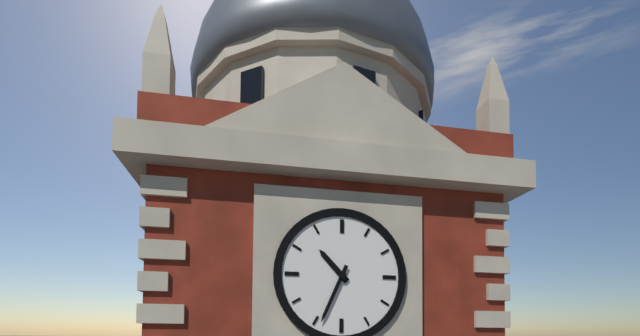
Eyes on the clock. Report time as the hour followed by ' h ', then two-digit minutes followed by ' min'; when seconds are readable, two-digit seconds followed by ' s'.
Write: 10 h 34 min
